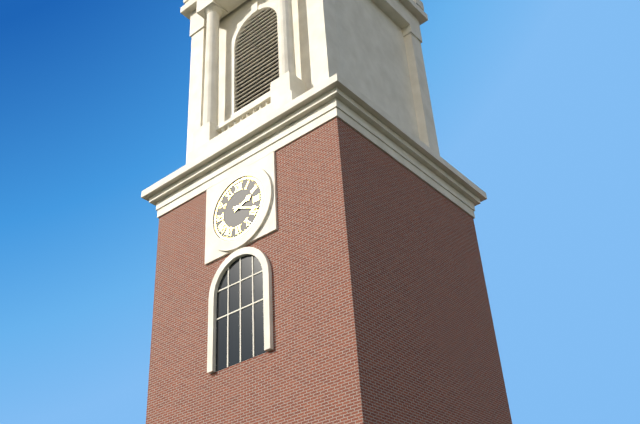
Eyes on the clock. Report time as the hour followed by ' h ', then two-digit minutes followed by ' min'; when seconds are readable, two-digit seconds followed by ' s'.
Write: 2 h 19 min
